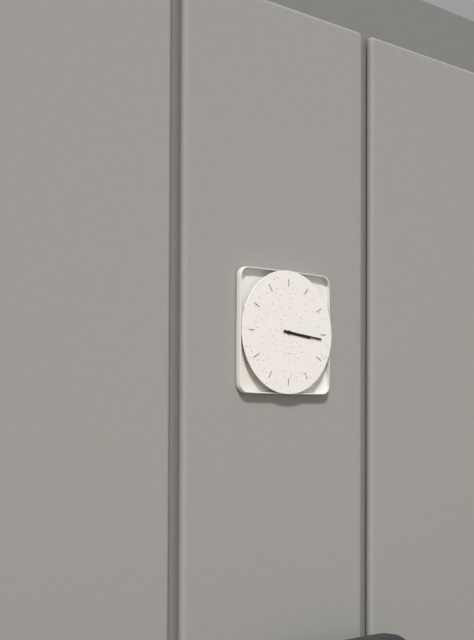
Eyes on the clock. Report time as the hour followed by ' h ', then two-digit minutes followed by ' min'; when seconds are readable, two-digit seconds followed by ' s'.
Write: 3 h 16 min
